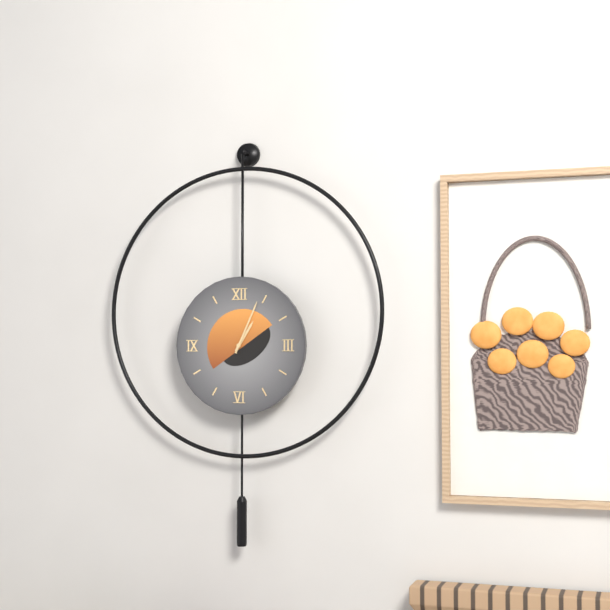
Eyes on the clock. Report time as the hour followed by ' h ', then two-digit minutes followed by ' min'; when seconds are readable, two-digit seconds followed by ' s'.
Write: 1 h 04 min
